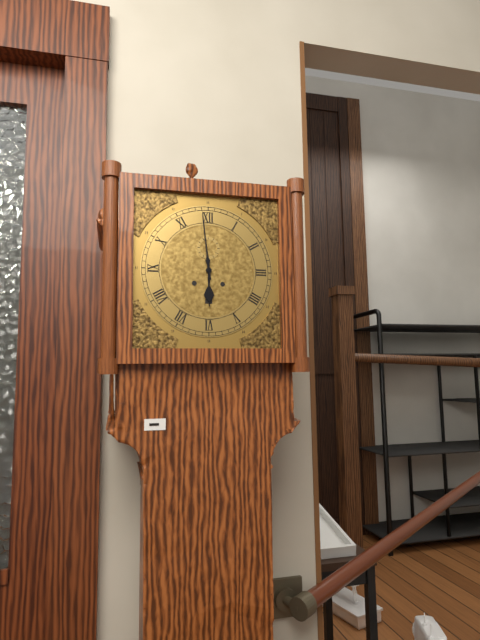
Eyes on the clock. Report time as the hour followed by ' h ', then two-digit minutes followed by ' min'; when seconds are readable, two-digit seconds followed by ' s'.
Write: 5 h 59 min
